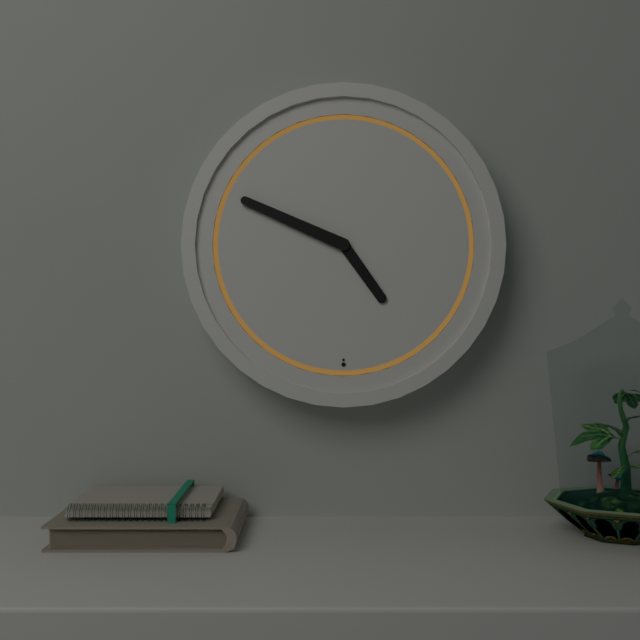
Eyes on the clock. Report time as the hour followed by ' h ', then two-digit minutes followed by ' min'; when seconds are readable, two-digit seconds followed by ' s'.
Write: 4 h 49 min
